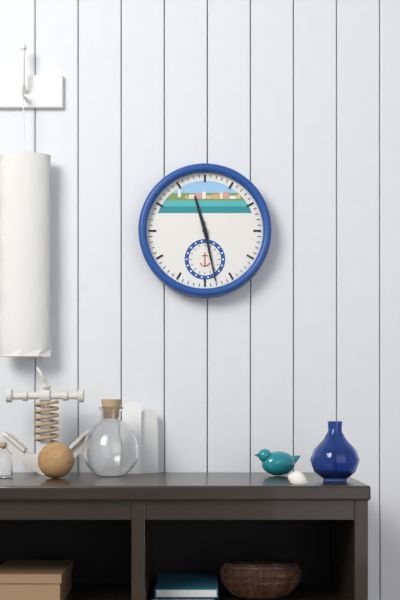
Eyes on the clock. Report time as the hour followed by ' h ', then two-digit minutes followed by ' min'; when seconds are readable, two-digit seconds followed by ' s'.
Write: 11 h 28 min
